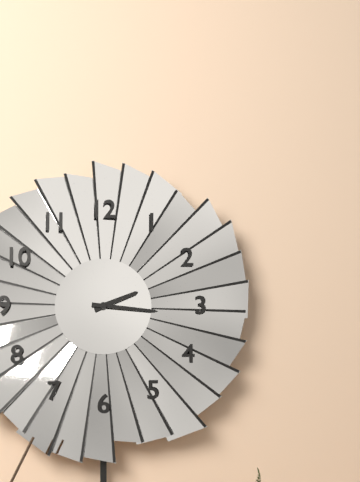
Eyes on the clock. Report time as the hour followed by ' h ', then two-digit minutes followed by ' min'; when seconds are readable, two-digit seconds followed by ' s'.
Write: 2 h 16 min
